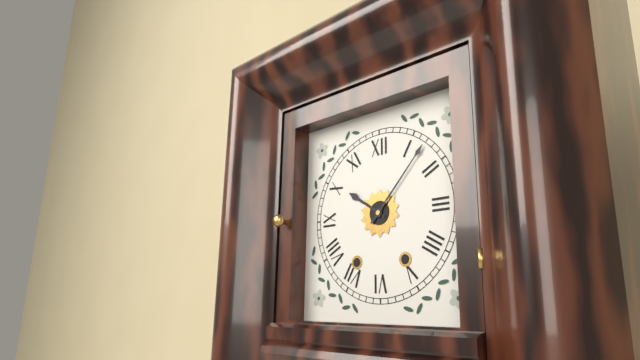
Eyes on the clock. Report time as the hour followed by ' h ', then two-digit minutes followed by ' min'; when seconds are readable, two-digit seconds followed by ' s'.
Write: 10 h 07 min
